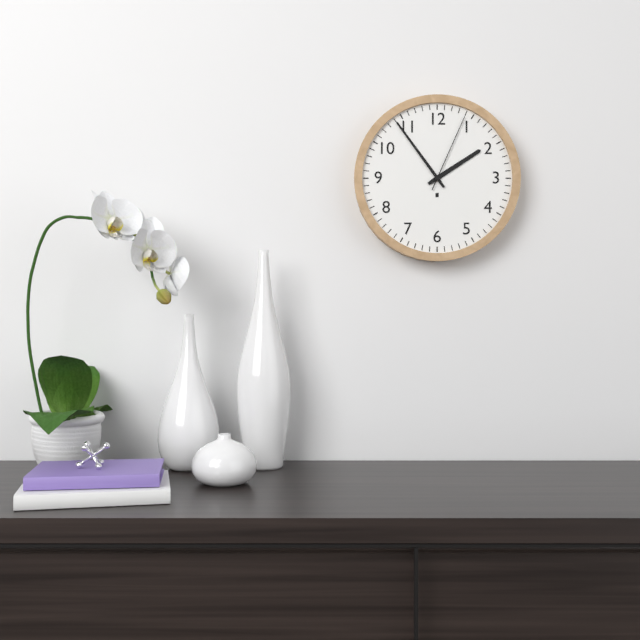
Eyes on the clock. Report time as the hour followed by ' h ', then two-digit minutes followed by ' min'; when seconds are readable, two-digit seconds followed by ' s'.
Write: 1 h 54 min 04 s
